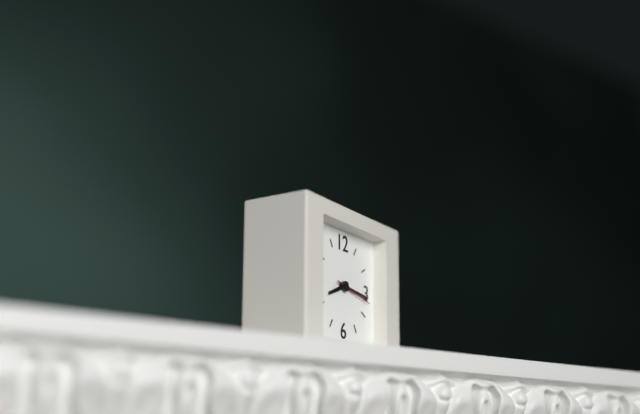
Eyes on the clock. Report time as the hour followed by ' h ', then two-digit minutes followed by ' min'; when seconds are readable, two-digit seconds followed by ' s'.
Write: 8 h 16 min
